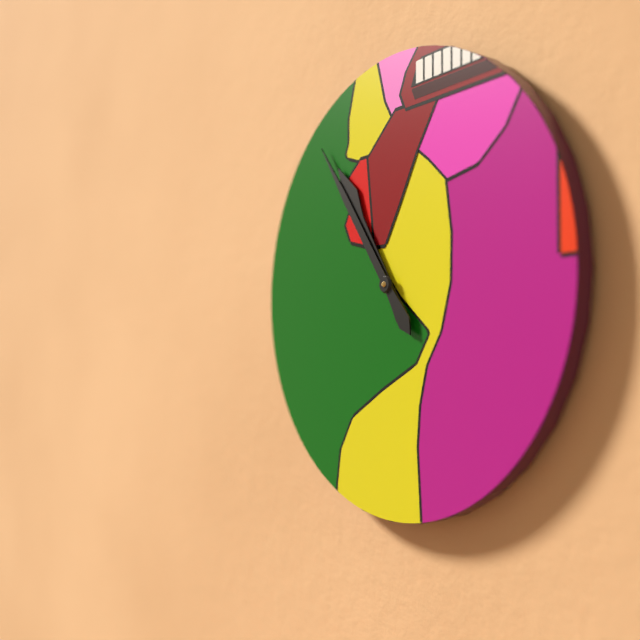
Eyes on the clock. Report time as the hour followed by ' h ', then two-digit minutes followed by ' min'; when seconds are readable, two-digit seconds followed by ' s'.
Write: 10 h 54 min
